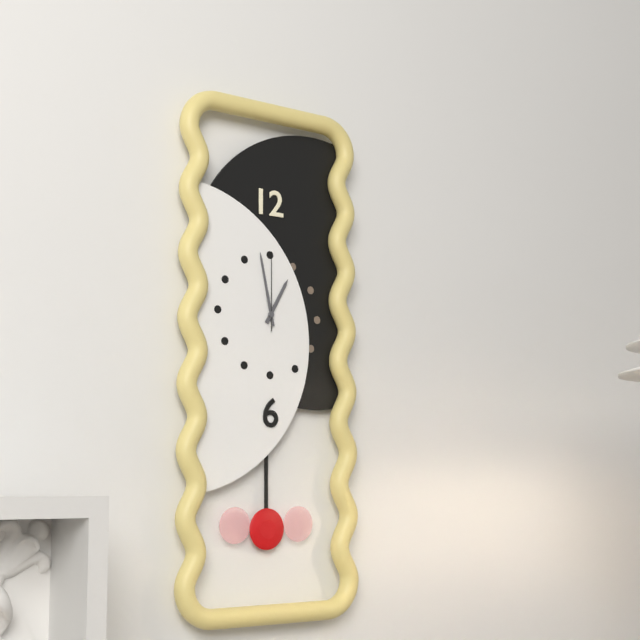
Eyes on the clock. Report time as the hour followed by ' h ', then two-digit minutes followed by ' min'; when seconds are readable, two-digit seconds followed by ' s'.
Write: 12 h 58 min 00 s
